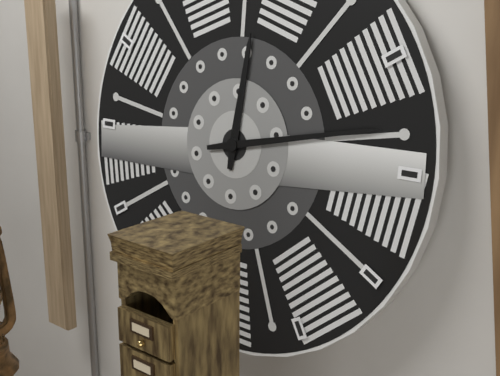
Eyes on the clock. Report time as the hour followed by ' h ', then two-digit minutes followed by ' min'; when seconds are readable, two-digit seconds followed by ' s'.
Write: 12 h 13 min
